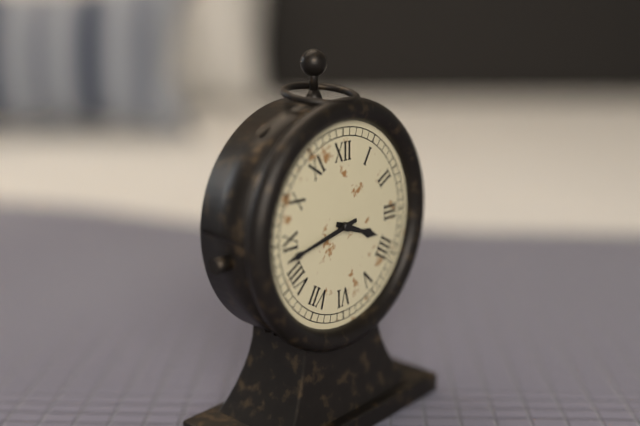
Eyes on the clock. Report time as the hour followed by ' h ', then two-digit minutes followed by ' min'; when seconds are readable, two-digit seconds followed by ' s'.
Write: 3 h 43 min
